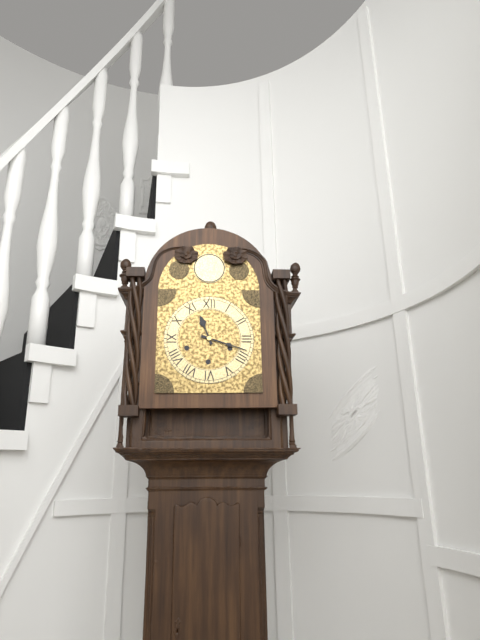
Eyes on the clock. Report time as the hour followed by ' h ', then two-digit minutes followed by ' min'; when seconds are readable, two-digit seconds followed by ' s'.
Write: 11 h 18 min
